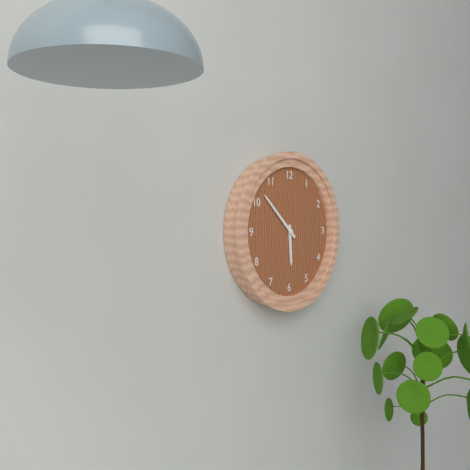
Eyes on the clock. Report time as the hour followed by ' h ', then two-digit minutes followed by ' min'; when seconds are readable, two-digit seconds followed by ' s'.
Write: 5 h 52 min
